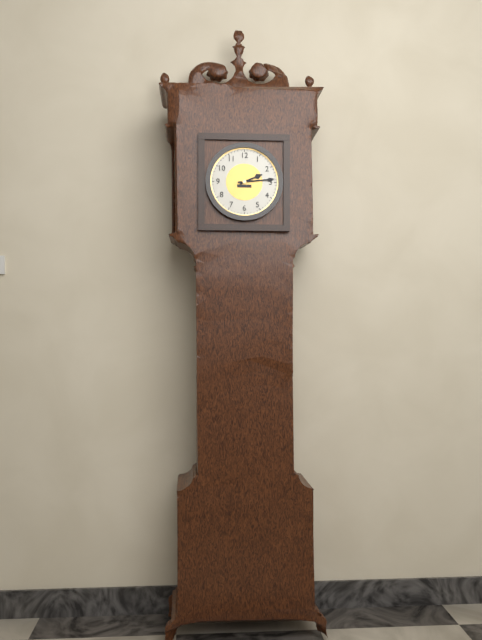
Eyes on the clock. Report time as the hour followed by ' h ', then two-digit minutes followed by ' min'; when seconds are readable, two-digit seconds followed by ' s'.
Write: 2 h 14 min
